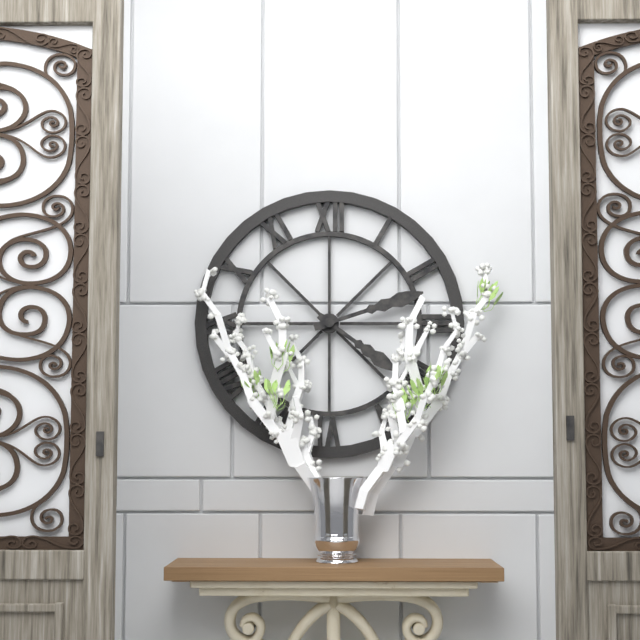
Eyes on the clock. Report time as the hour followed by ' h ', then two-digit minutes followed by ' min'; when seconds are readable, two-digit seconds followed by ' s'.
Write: 4 h 12 min
